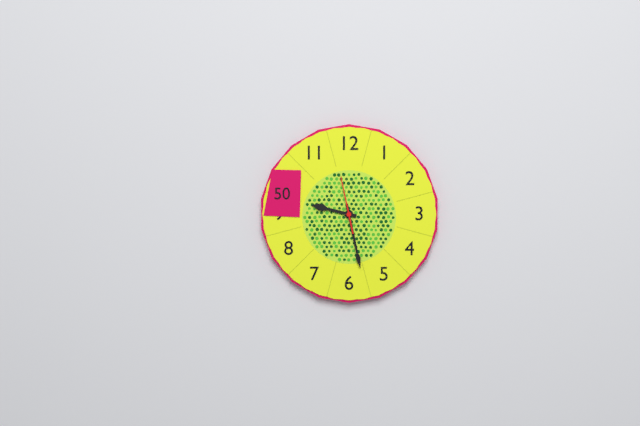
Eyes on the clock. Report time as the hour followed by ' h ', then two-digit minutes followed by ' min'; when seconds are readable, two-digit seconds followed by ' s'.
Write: 9 h 28 min
